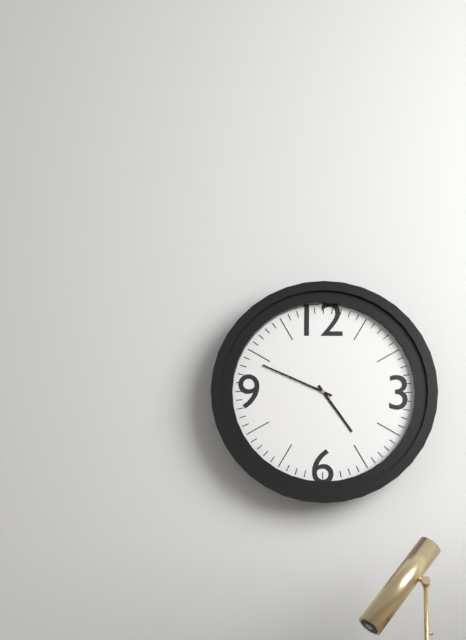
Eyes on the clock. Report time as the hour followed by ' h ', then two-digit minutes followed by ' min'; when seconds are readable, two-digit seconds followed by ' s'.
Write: 4 h 49 min
